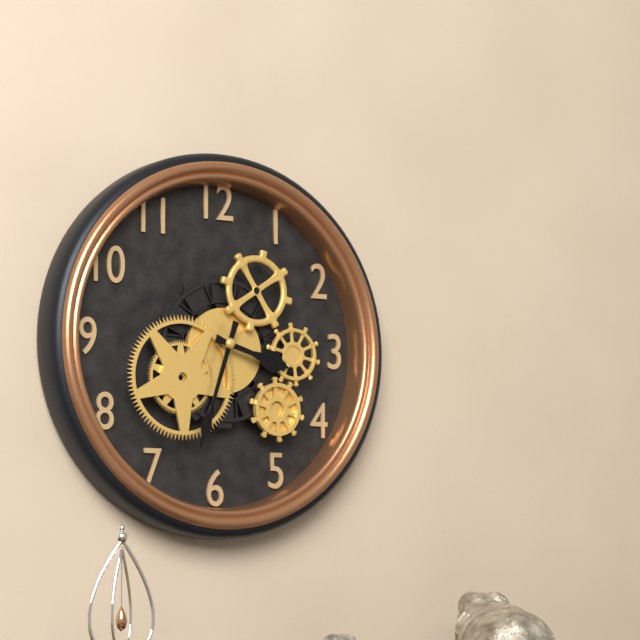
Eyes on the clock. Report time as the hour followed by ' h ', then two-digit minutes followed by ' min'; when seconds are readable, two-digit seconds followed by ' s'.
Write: 3 h 33 min
